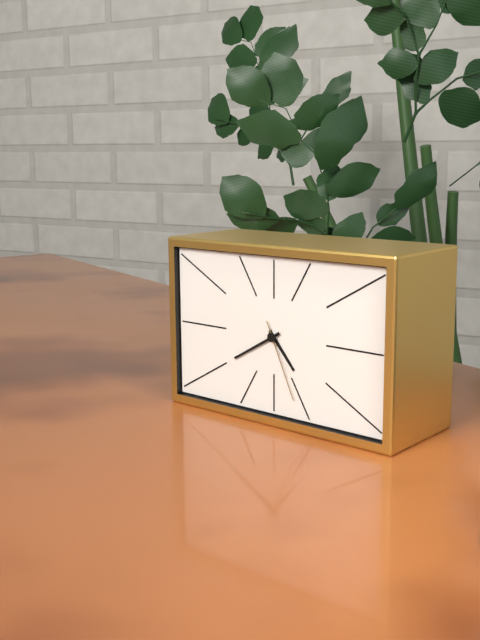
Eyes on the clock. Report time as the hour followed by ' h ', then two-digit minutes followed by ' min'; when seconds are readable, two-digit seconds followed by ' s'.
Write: 4 h 40 min 26 s
